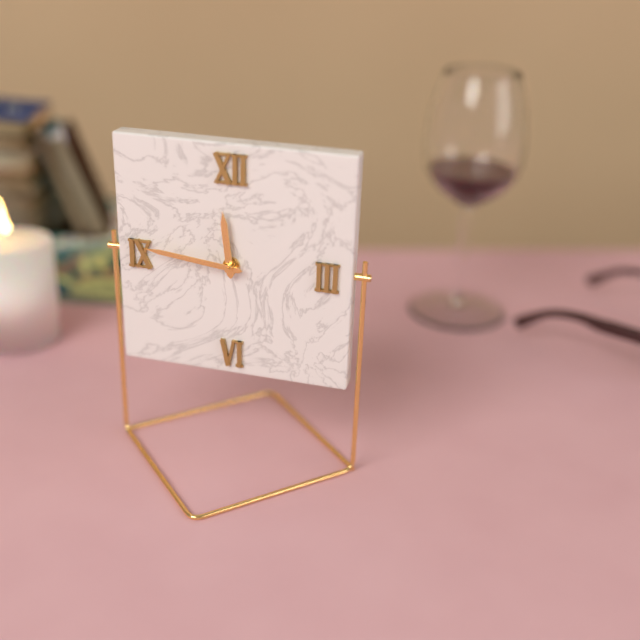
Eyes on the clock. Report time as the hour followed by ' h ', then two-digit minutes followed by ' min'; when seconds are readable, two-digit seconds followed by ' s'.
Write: 11 h 46 min
